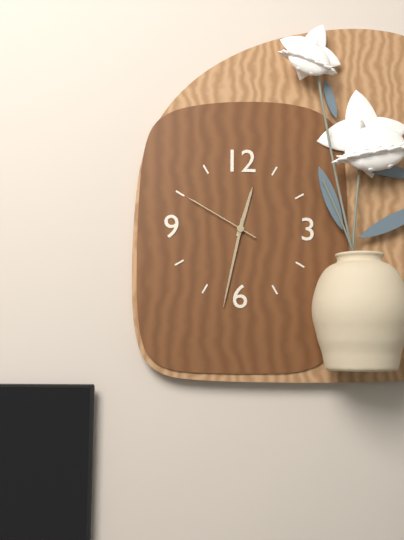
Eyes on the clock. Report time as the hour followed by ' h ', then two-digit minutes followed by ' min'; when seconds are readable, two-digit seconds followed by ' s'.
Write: 12 h 32 min 50 s
